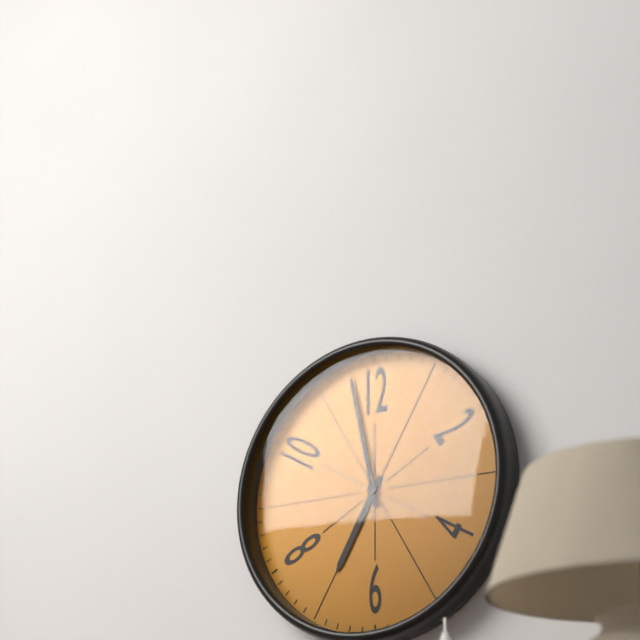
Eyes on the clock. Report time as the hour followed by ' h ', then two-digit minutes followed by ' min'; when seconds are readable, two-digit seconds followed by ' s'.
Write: 6 h 58 min
